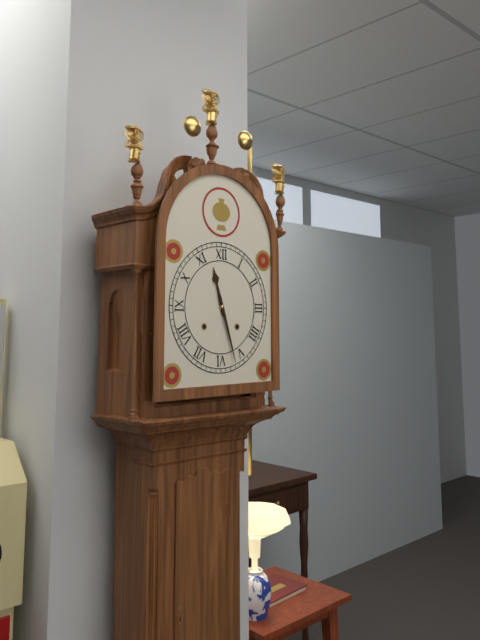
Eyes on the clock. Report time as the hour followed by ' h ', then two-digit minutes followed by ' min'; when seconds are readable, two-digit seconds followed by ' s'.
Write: 11 h 27 min
